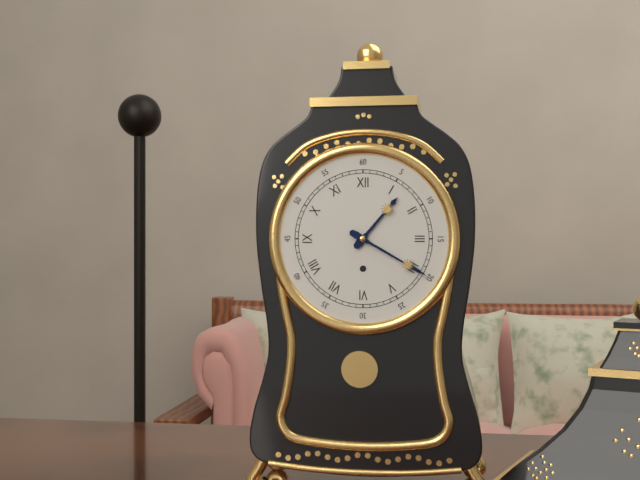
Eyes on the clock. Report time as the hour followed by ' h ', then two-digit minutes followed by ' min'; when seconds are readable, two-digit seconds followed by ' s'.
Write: 1 h 20 min
